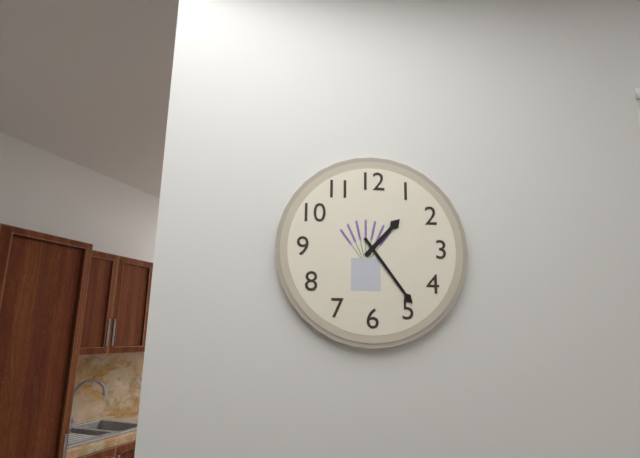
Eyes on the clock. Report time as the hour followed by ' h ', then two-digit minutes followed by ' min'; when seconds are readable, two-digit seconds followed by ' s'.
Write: 1 h 24 min
